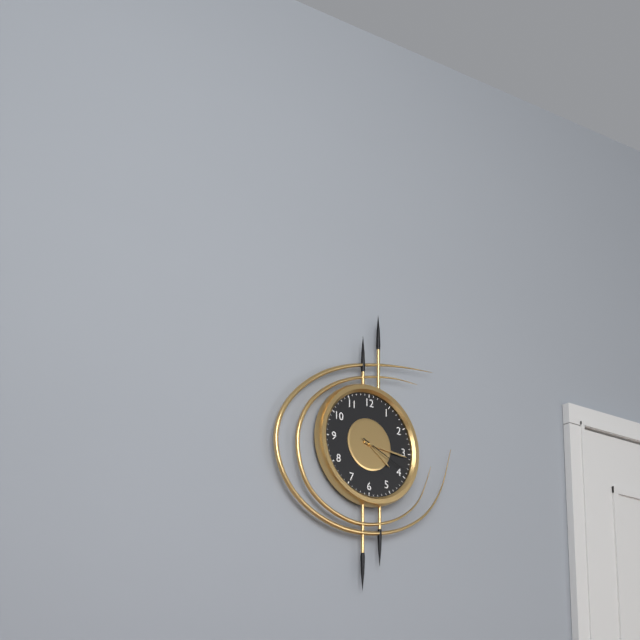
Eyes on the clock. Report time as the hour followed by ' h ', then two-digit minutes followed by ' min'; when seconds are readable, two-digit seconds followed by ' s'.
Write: 4 h 16 min 19 s
